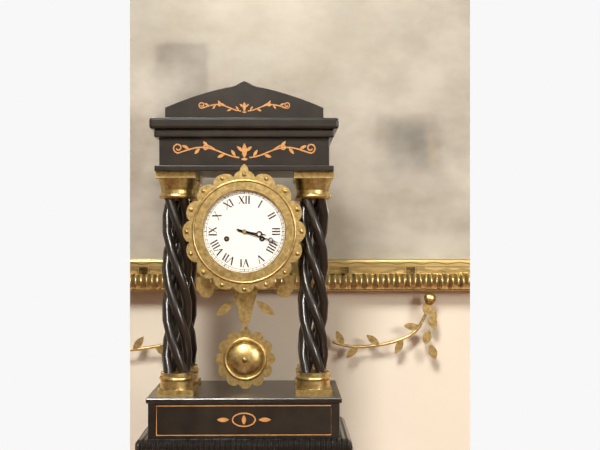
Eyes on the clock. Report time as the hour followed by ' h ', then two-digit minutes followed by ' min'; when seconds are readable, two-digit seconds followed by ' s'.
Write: 3 h 18 min
